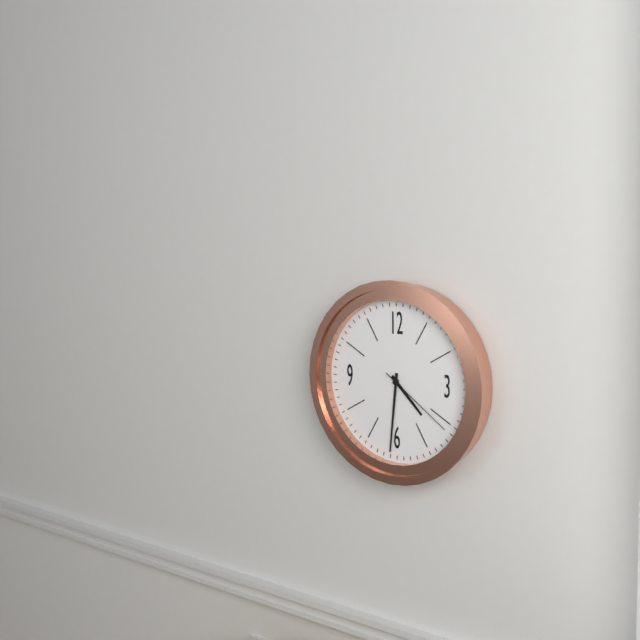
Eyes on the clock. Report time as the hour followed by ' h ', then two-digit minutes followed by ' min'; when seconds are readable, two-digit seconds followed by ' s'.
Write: 4 h 31 min 21 s
